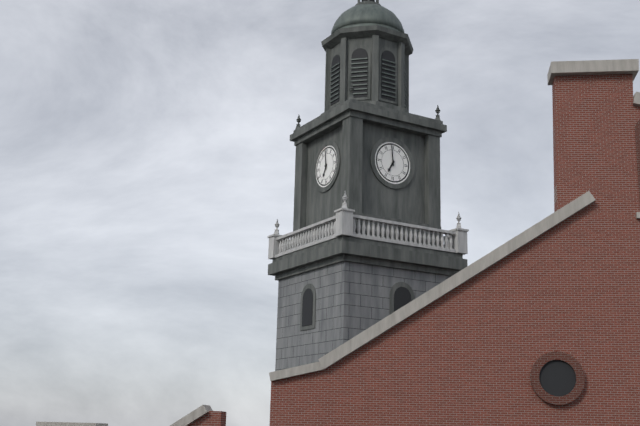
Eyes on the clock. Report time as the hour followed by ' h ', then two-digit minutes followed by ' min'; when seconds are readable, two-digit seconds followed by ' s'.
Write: 6 h 59 min
